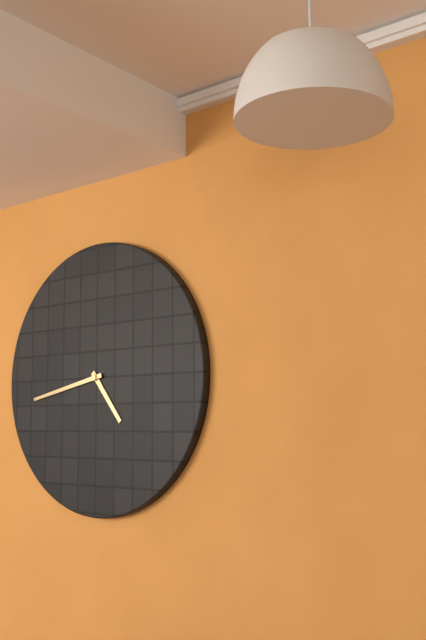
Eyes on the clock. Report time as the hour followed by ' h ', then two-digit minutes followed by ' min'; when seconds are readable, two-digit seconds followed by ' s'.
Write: 4 h 43 min
